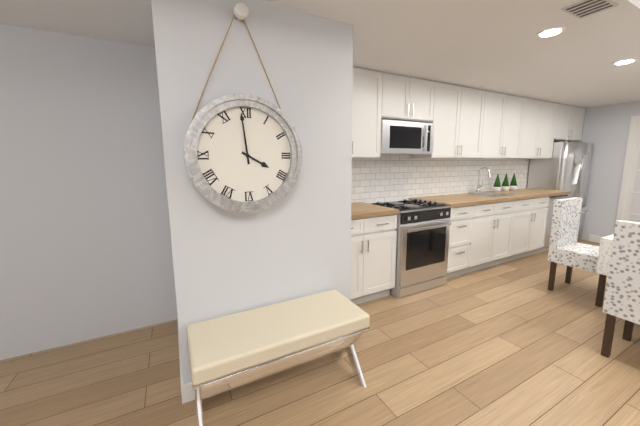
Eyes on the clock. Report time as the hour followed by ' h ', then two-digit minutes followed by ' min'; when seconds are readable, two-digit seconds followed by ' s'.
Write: 3 h 59 min
